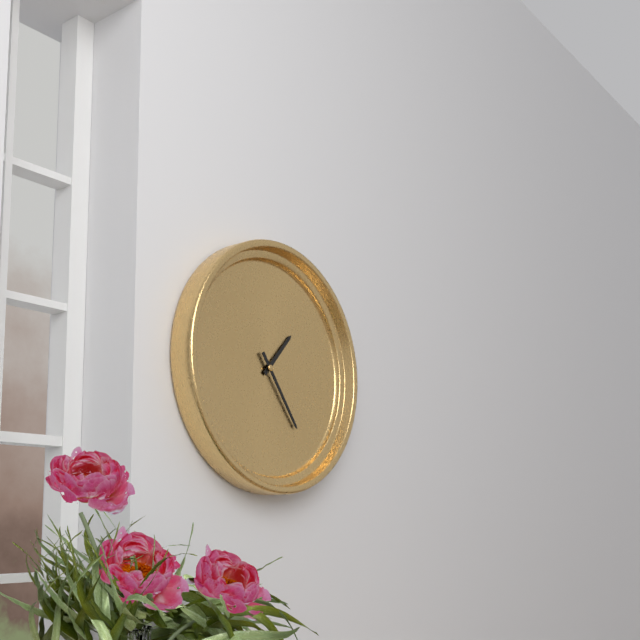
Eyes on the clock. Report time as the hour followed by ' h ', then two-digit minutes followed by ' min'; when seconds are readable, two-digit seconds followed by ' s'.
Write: 1 h 24 min
